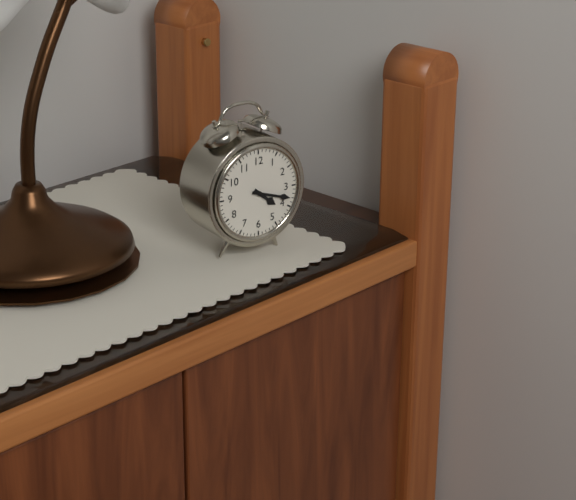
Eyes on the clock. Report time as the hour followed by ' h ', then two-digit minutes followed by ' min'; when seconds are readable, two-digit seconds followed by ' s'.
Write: 4 h 18 min
